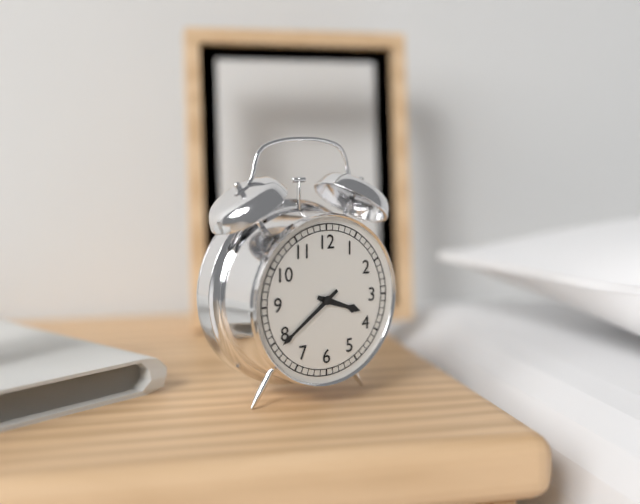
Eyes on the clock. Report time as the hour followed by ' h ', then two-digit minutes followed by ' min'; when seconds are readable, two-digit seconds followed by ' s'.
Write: 3 h 39 min
